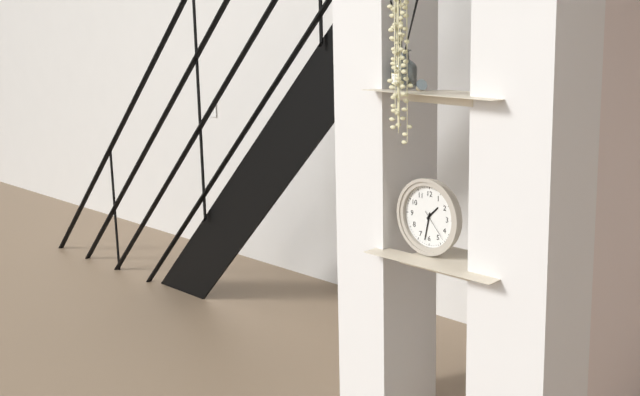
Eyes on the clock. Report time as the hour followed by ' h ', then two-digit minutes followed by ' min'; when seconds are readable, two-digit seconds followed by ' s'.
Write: 1 h 32 min
